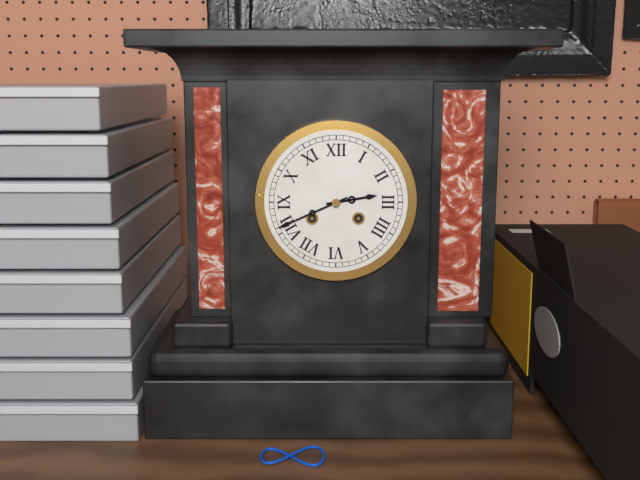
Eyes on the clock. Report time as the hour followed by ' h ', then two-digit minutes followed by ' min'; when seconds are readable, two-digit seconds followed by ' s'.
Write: 2 h 41 min
